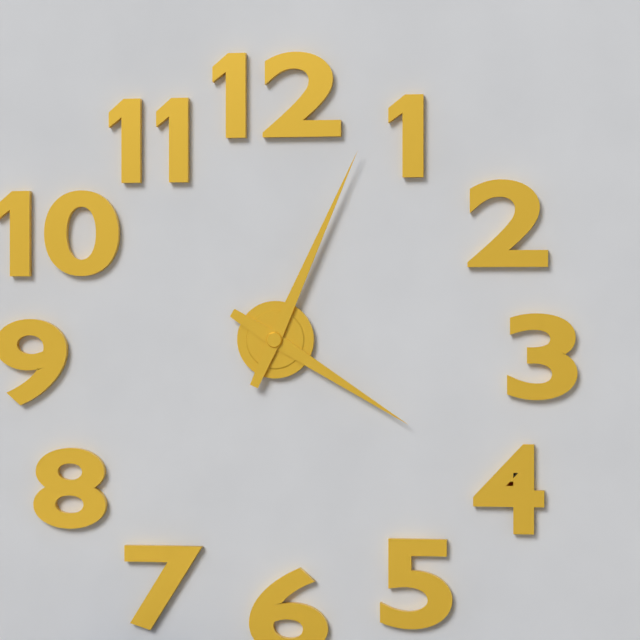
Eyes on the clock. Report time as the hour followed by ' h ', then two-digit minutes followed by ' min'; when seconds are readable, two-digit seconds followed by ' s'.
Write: 4 h 04 min
